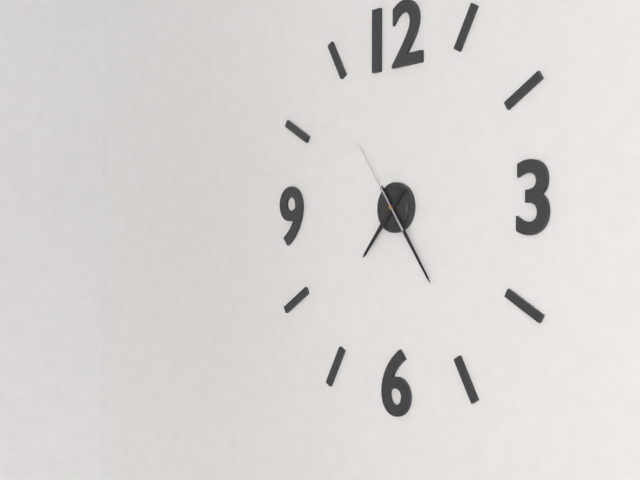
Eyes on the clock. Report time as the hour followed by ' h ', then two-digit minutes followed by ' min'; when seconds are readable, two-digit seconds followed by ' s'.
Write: 7 h 24 min 54 s
